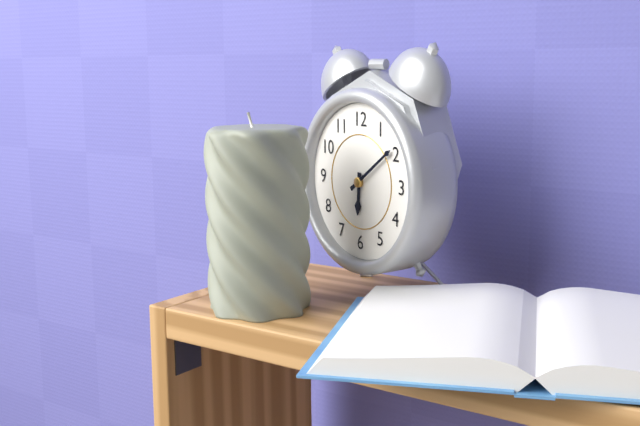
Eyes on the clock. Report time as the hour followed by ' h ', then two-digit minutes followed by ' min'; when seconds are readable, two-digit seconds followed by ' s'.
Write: 6 h 09 min
